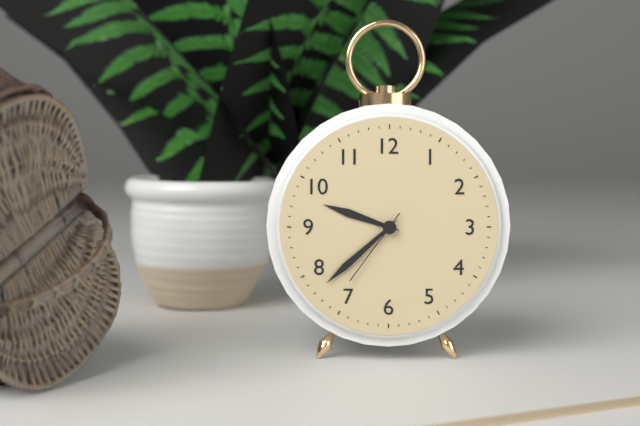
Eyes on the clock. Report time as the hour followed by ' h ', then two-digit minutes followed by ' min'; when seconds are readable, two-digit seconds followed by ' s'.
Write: 9 h 38 min 36 s
